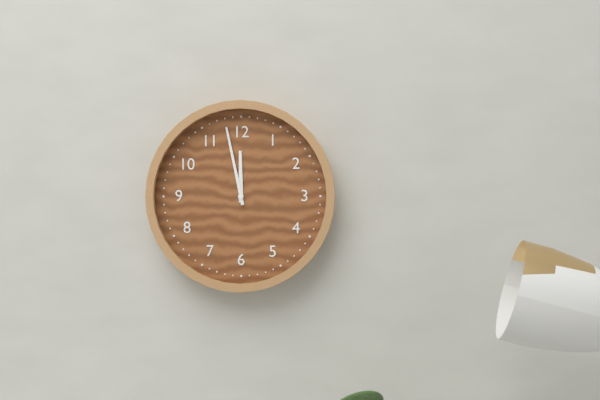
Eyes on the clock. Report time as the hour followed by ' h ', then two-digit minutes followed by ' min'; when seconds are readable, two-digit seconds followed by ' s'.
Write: 11 h 58 min
